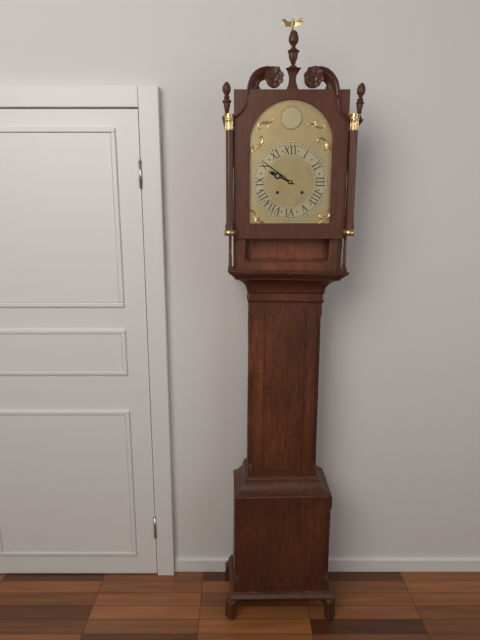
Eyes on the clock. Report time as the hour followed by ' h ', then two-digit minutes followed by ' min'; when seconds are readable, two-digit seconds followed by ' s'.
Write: 9 h 51 min
